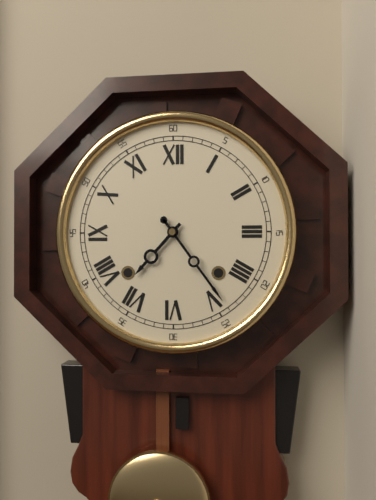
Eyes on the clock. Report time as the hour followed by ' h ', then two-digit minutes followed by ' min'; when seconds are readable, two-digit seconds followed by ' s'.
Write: 7 h 24 min
